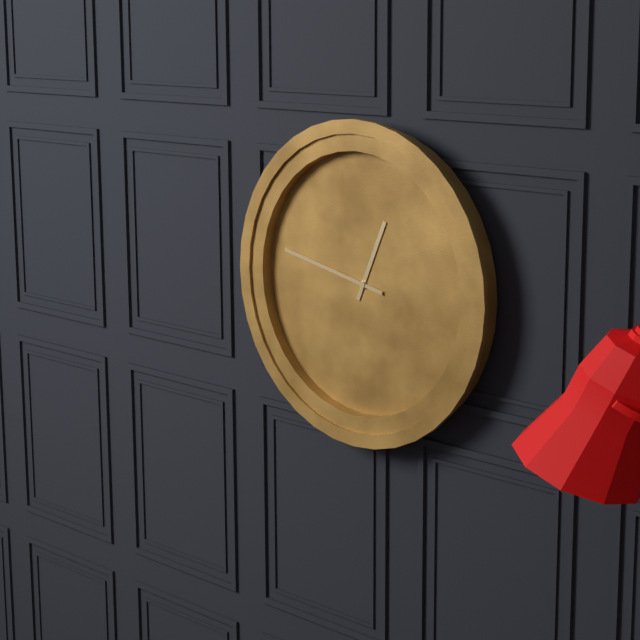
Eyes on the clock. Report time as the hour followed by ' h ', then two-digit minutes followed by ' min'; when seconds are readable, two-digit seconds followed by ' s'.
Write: 12 h 47 min
